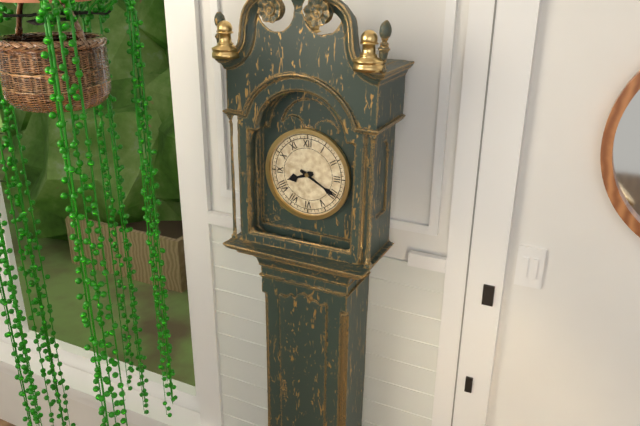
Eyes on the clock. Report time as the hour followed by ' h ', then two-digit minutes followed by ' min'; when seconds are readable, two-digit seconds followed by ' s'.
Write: 8 h 20 min
